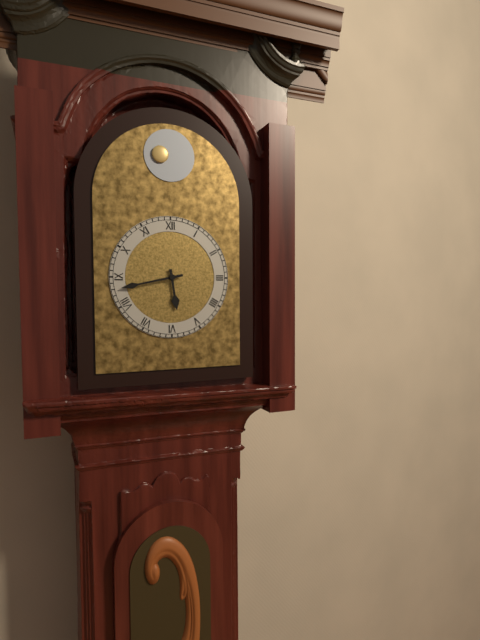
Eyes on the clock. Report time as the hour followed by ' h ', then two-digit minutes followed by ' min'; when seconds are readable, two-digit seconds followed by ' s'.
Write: 5 h 43 min
